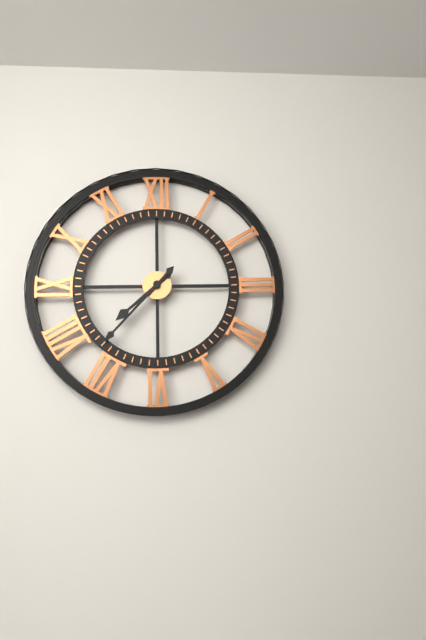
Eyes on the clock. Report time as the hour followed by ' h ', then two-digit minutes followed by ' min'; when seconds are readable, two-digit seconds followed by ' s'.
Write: 7 h 37 min
